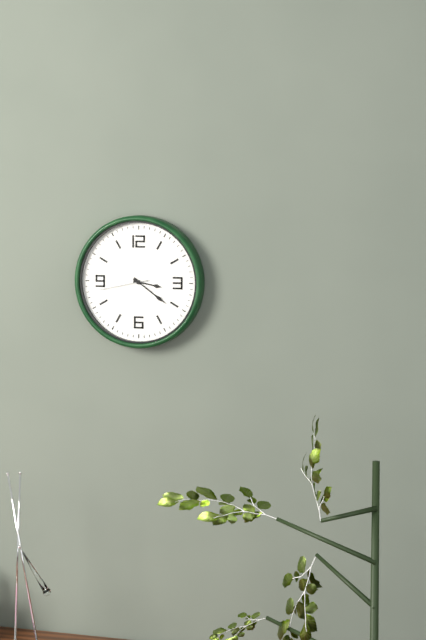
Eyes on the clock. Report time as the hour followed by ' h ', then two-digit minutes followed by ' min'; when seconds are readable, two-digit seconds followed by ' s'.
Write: 3 h 21 min 43 s
